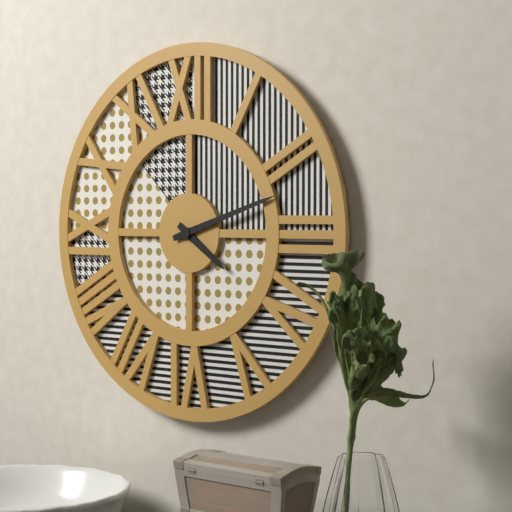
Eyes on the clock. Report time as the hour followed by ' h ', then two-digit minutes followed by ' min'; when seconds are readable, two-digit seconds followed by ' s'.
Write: 4 h 12 min
